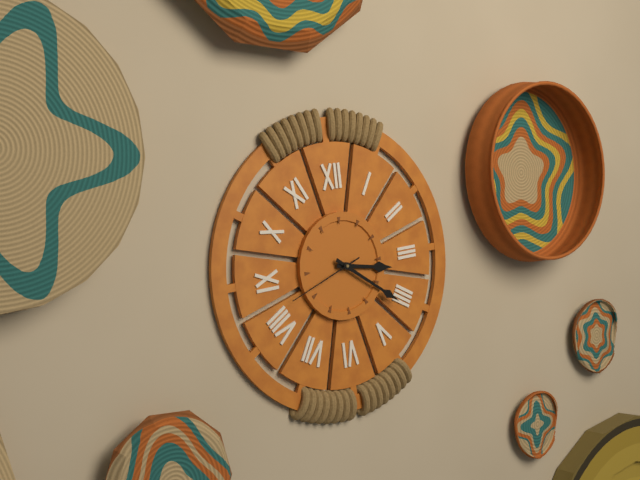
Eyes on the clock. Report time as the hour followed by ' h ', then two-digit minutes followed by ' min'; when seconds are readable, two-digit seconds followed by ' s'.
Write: 3 h 21 min 42 s
